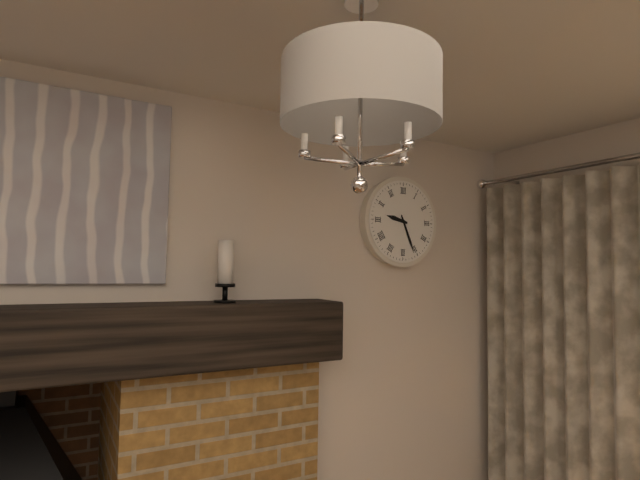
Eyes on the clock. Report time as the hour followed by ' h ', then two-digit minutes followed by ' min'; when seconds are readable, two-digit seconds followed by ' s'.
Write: 9 h 26 min
